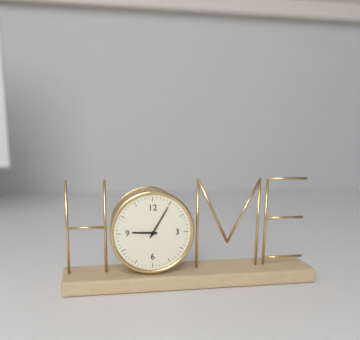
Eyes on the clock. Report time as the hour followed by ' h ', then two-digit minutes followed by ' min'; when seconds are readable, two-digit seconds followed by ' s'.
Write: 9 h 05 min
